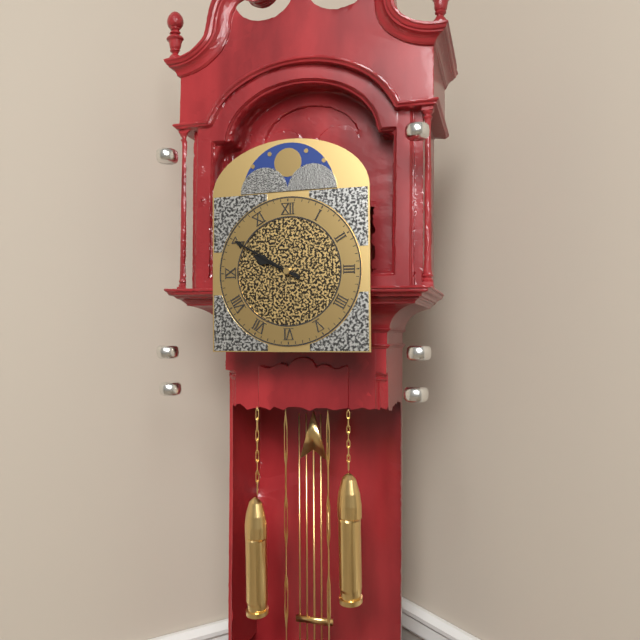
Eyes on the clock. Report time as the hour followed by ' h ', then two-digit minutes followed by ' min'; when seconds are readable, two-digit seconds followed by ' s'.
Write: 9 h 50 min
